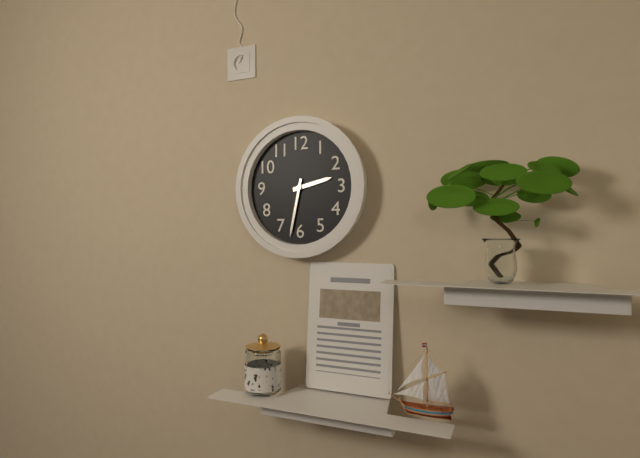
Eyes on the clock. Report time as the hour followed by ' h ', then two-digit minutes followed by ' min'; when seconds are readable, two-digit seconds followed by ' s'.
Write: 2 h 32 min
